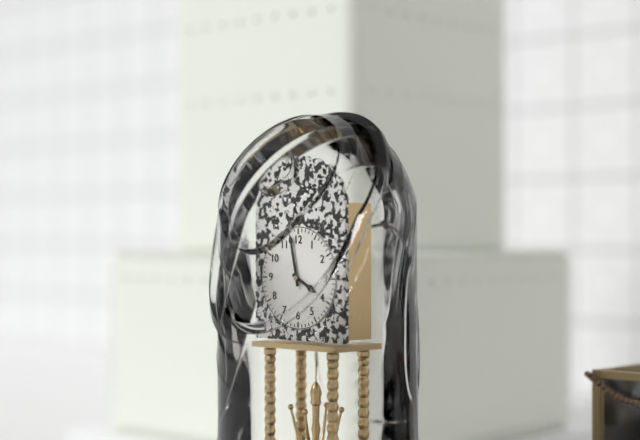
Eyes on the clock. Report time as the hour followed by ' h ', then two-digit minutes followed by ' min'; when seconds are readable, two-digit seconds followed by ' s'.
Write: 3 h 58 min
